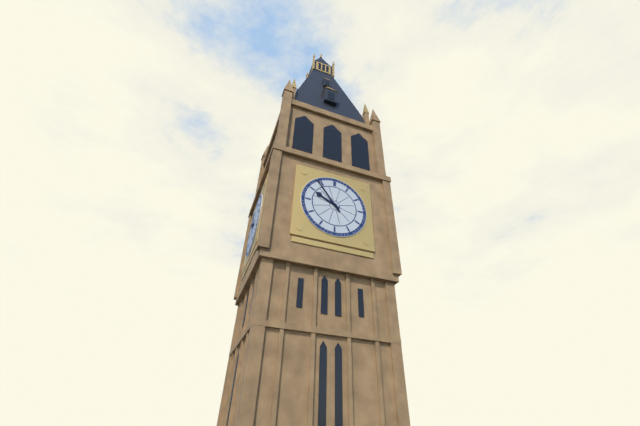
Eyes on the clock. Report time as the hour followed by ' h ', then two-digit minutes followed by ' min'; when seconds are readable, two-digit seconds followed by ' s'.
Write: 9 h 54 min
